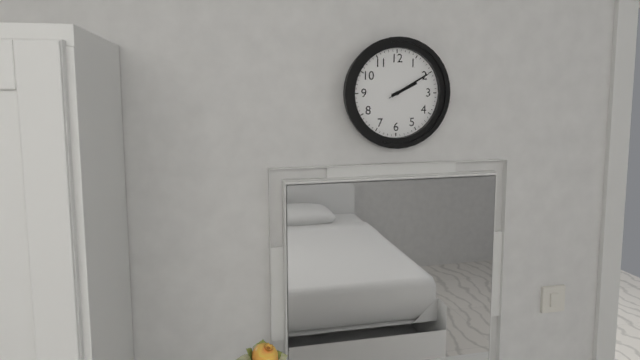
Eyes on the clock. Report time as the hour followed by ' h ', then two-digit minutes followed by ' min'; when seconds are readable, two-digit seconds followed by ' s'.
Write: 2 h 10 min
